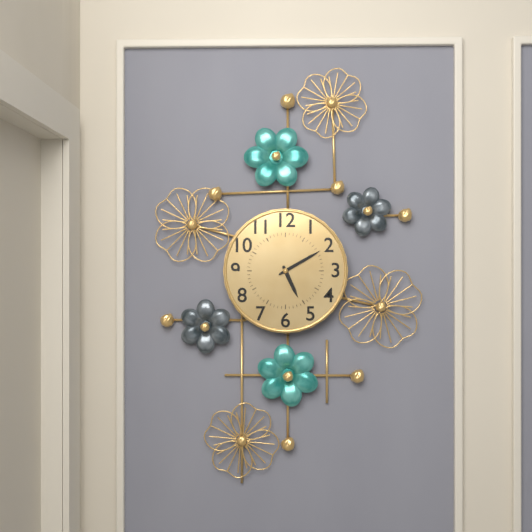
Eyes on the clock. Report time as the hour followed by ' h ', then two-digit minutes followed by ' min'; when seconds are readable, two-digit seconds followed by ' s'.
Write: 5 h 10 min
